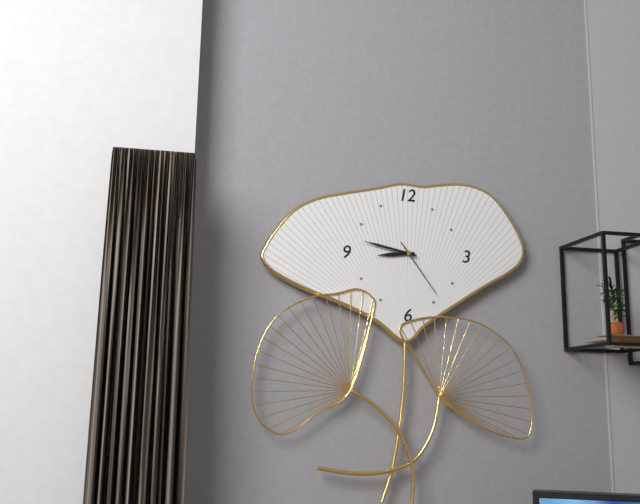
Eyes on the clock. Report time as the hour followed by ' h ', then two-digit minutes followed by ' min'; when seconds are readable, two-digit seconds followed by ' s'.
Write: 8 h 47 min 24 s
